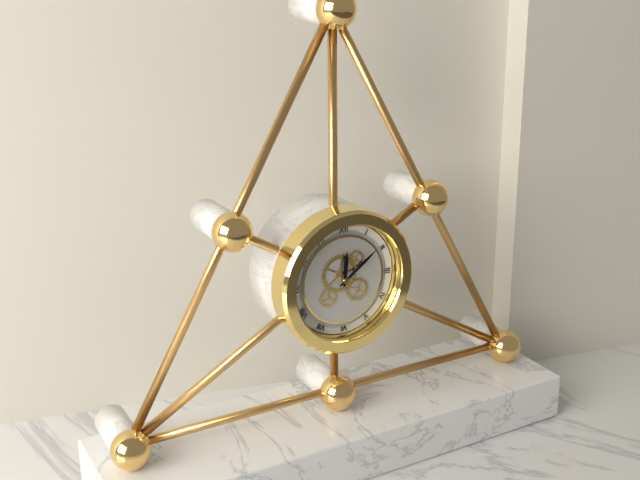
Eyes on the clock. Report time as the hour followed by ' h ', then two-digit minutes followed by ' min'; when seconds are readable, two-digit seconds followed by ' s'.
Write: 12 h 09 min
